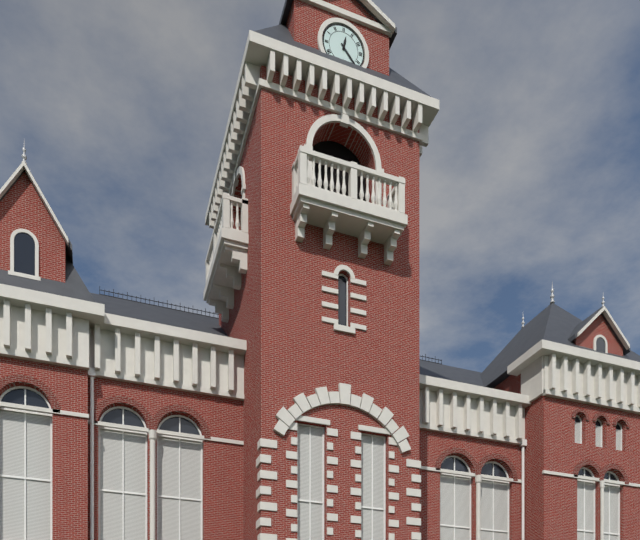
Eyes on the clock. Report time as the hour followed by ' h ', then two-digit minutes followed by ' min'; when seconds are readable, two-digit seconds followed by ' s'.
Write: 12 h 23 min
